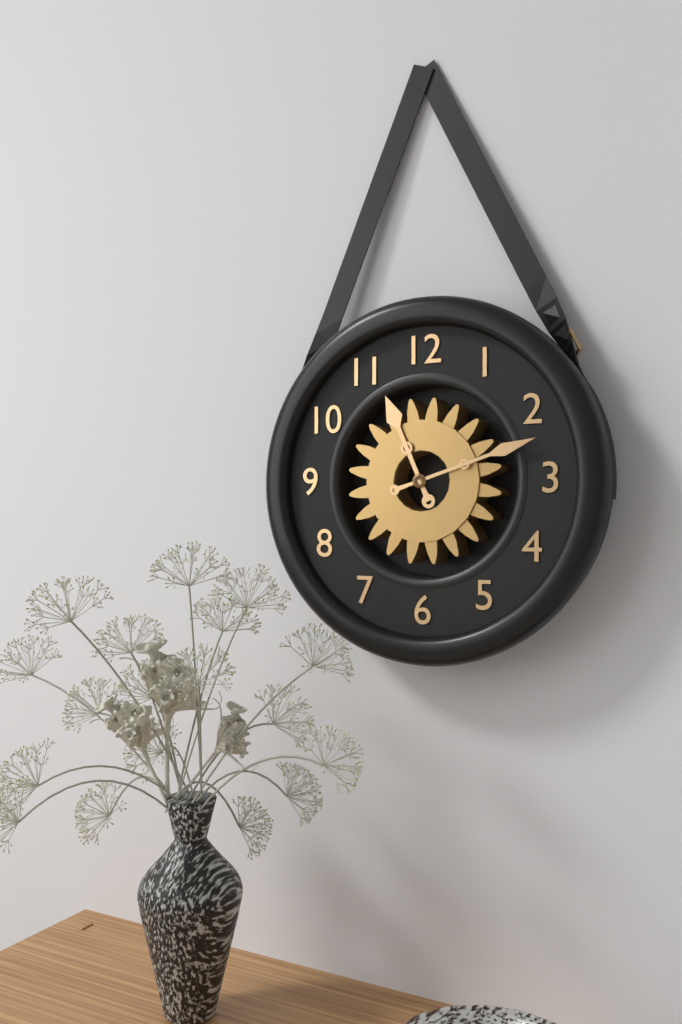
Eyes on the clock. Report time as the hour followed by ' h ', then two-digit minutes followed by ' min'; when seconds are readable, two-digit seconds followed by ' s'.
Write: 11 h 12 min
